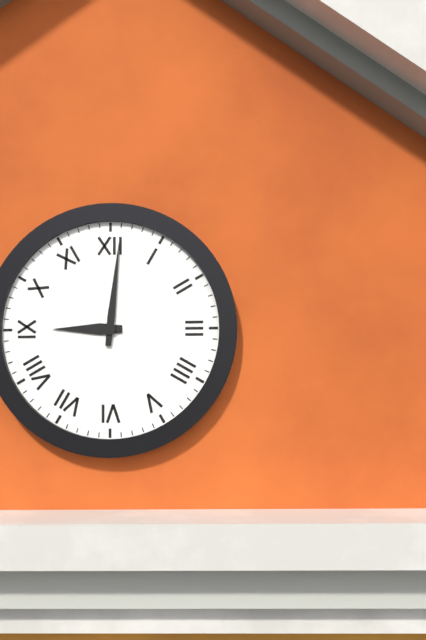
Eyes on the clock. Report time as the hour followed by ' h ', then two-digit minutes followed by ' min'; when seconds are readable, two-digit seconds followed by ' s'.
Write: 9 h 01 min
